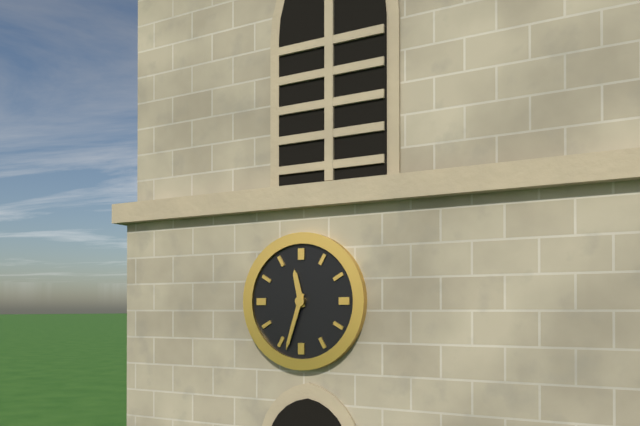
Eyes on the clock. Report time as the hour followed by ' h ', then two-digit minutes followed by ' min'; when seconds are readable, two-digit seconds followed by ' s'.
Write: 11 h 33 min
